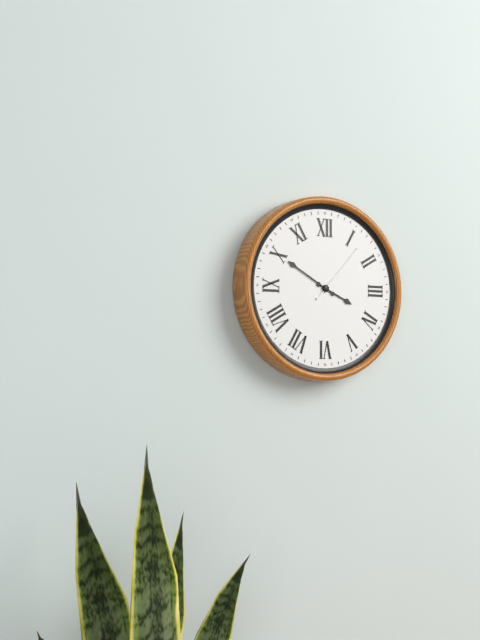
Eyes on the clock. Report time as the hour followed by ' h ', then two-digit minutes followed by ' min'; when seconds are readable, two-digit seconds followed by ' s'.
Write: 3 h 50 min 07 s
